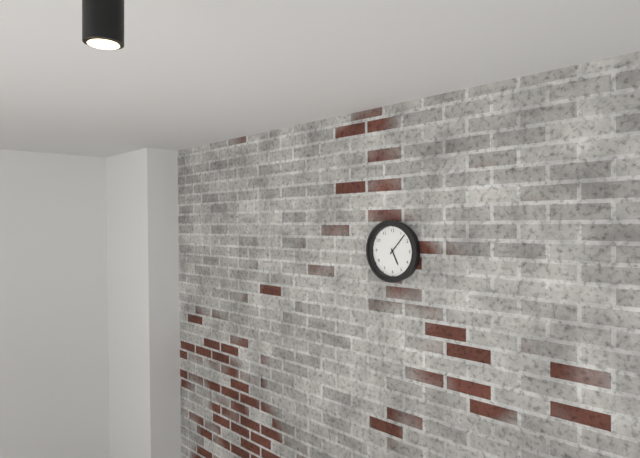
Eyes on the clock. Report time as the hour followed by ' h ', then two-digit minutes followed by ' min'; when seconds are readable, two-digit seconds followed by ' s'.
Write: 5 h 07 min
